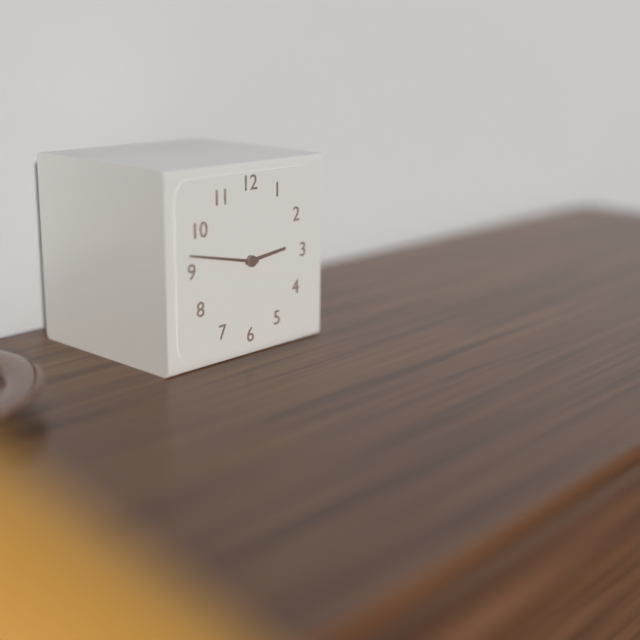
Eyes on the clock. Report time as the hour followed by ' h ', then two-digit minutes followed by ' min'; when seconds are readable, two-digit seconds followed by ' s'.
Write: 2 h 47 min
